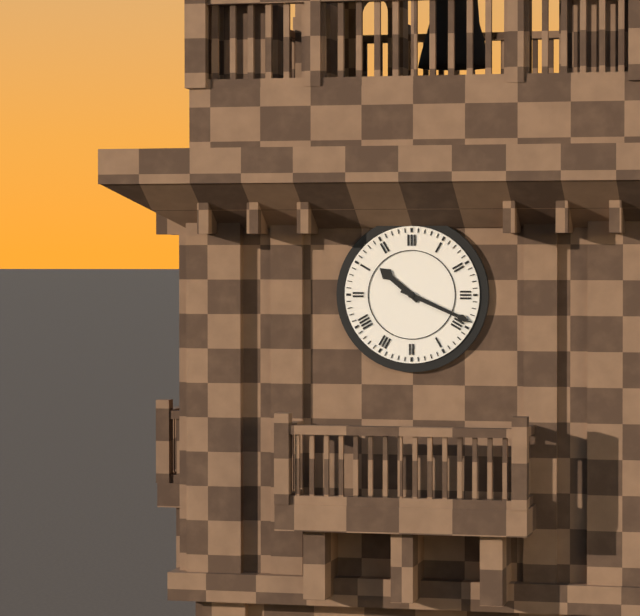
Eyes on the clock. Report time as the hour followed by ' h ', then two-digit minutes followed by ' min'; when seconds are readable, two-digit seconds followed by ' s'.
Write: 10 h 19 min
